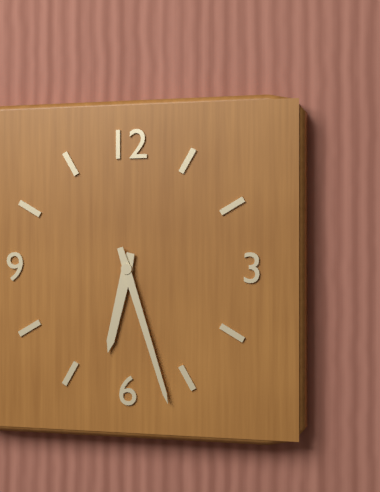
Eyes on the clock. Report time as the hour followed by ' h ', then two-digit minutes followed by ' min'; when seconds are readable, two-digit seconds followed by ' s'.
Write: 6 h 27 min
